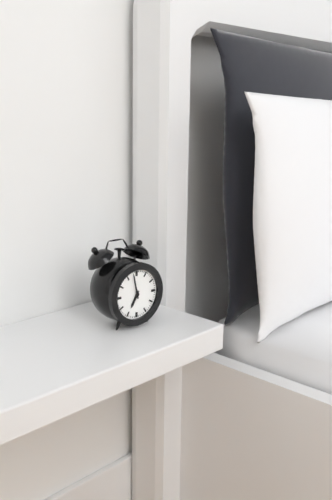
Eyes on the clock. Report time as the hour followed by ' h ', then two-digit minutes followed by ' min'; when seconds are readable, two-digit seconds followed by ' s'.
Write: 6 h 58 min
